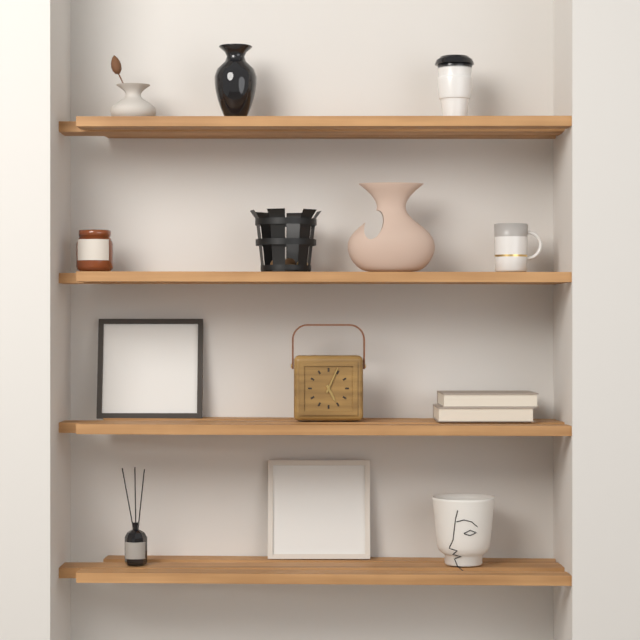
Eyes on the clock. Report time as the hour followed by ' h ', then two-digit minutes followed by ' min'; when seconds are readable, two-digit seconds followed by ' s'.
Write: 5 h 04 min
